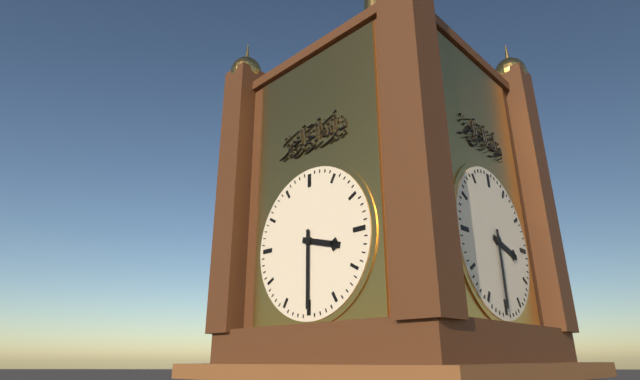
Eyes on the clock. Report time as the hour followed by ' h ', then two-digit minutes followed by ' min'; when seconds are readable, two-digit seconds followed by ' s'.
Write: 3 h 30 min
